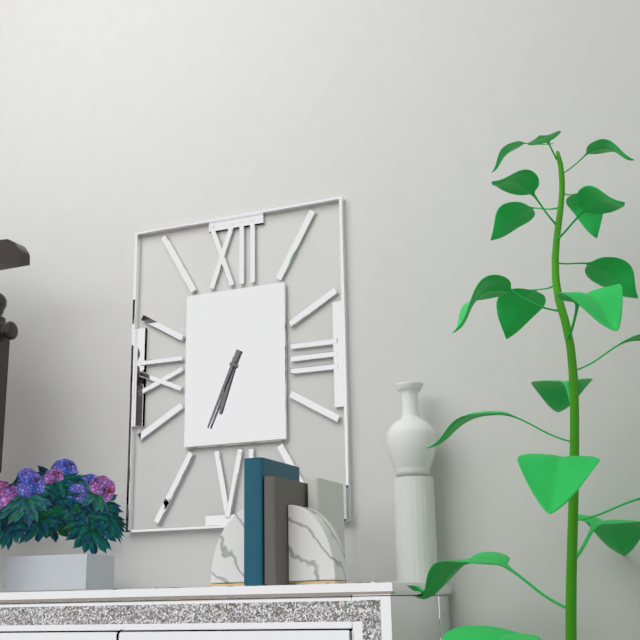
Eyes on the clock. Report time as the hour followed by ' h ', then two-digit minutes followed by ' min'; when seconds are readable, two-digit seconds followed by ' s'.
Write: 6 h 34 min
